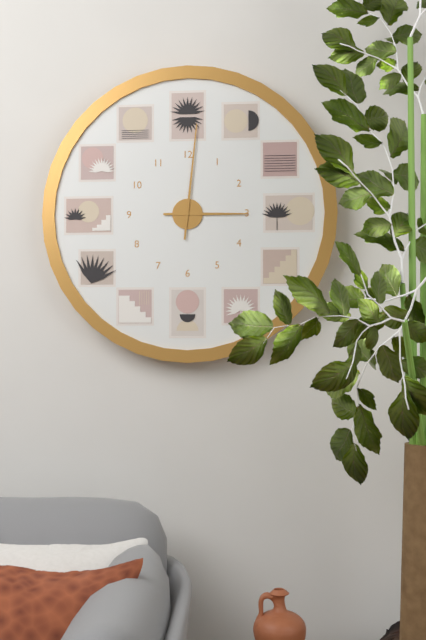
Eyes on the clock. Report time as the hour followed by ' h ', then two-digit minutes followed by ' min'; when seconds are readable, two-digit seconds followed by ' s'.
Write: 3 h 01 min
